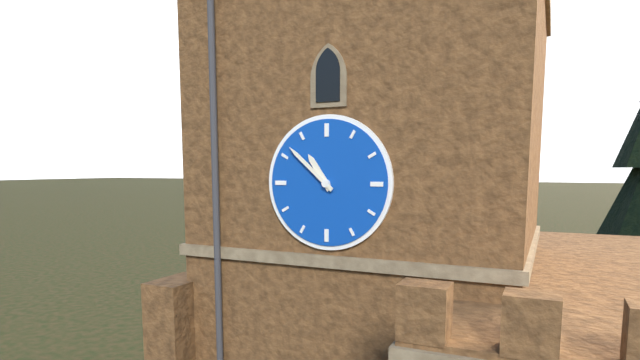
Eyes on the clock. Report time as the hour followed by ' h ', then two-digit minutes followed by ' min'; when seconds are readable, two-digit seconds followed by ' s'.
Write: 10 h 52 min
